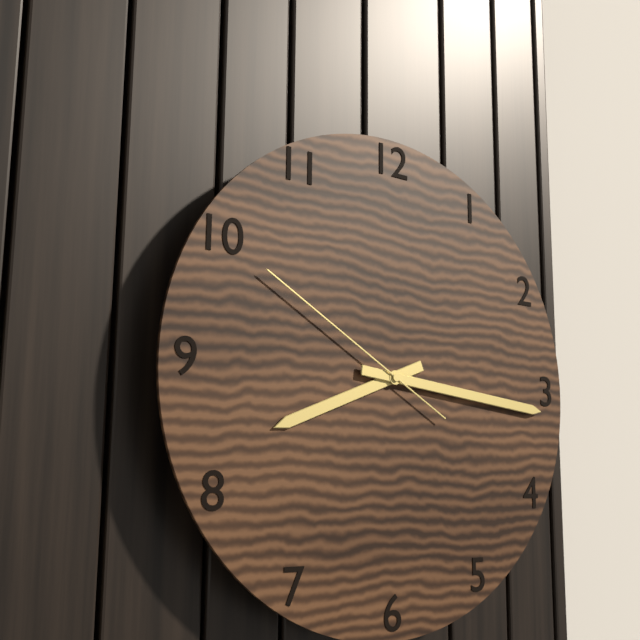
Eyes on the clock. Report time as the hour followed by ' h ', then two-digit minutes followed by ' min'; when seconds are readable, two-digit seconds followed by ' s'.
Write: 8 h 16 min 50 s
